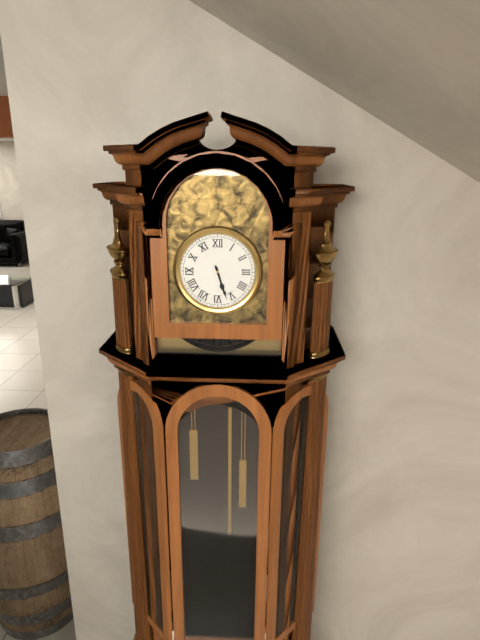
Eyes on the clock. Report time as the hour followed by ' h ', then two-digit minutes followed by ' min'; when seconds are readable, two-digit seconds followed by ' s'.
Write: 5 h 27 min
